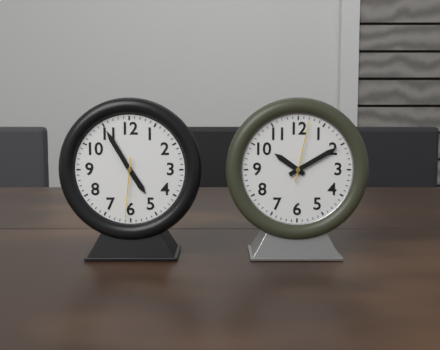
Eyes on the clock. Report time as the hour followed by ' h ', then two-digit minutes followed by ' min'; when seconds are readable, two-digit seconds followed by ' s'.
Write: 4 h 55 min 31 s
